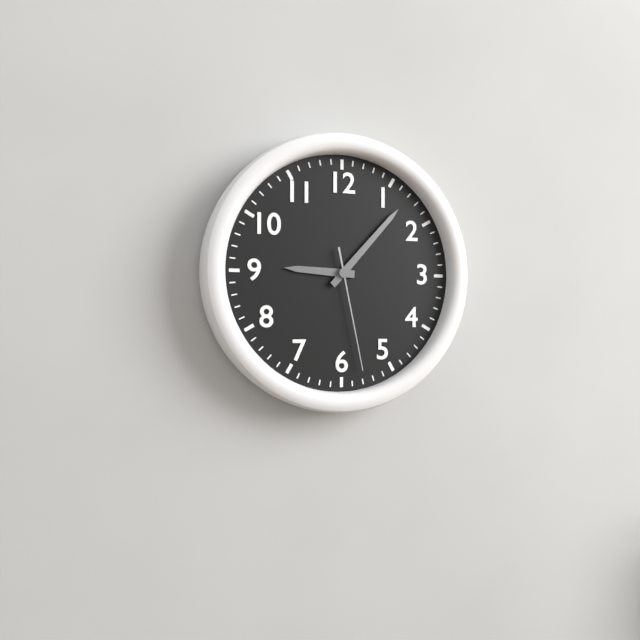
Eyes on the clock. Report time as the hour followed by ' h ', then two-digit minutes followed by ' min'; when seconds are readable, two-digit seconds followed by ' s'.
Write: 9 h 07 min 28 s
